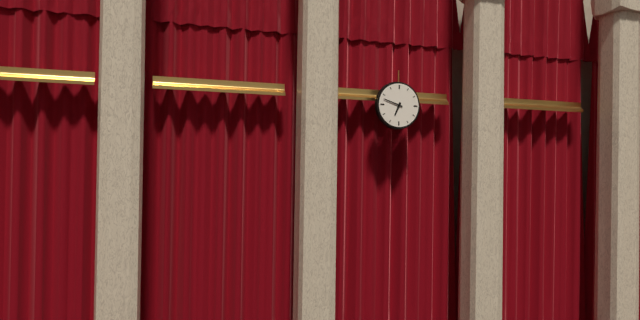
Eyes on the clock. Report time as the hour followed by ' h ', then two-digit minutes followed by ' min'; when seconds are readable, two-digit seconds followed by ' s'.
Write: 6 h 48 min
